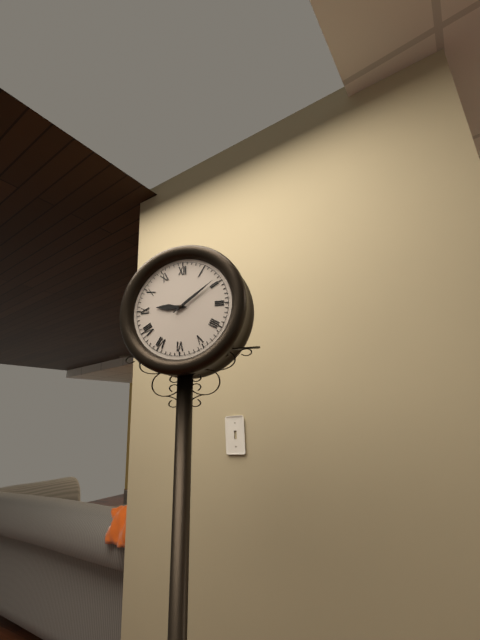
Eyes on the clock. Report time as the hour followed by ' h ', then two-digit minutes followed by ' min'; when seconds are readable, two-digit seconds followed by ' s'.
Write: 9 h 09 min
